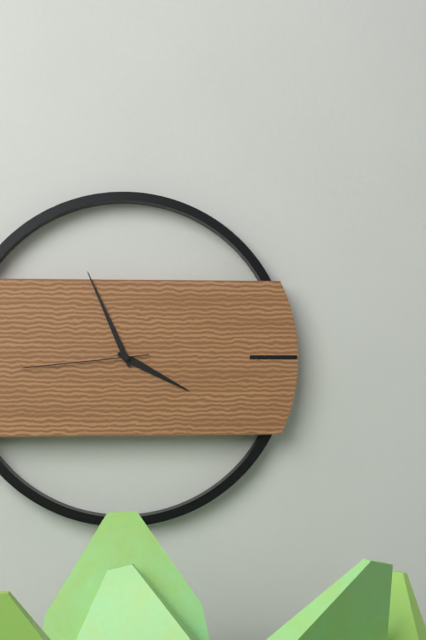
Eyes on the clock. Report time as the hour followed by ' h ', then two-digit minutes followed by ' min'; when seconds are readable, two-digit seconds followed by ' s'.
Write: 3 h 56 min 44 s
